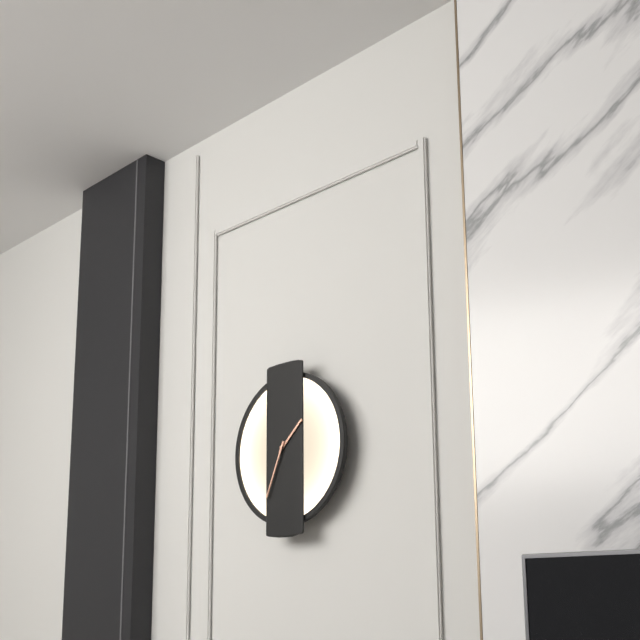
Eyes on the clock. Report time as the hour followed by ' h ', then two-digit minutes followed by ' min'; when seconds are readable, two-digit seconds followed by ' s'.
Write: 1 h 34 min
